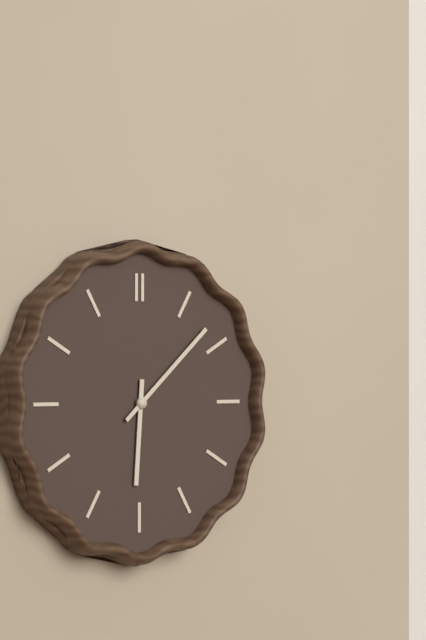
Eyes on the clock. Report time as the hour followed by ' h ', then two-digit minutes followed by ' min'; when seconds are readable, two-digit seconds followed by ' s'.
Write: 6 h 08 min
